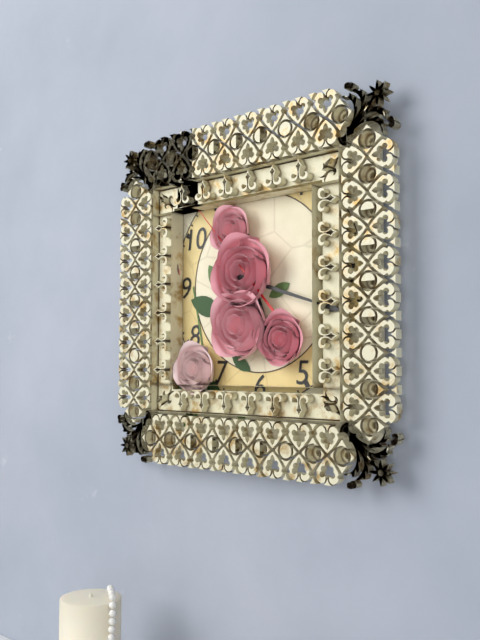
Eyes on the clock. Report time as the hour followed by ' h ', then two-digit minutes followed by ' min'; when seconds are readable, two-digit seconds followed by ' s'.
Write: 5 h 18 min 53 s
